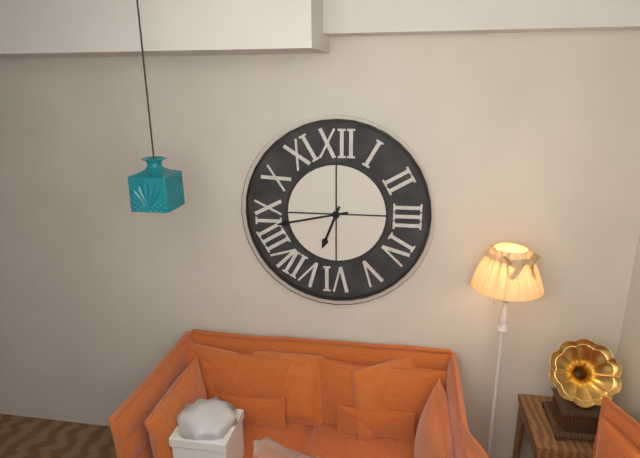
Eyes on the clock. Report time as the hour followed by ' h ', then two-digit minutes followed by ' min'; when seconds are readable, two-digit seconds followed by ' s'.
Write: 6 h 43 min
